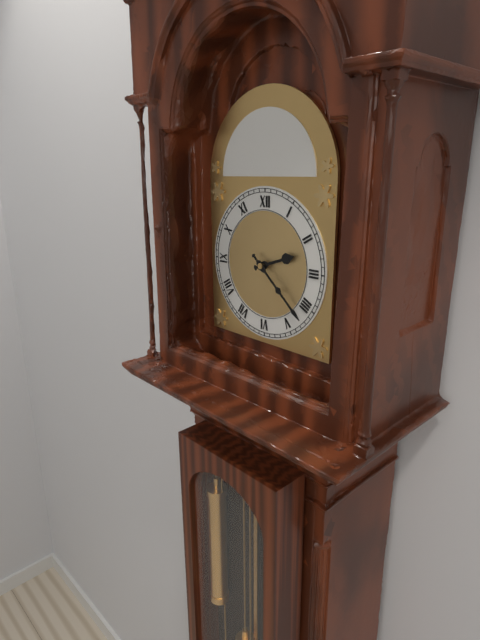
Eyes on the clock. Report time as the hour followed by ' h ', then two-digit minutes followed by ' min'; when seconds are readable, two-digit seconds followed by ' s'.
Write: 2 h 22 min
